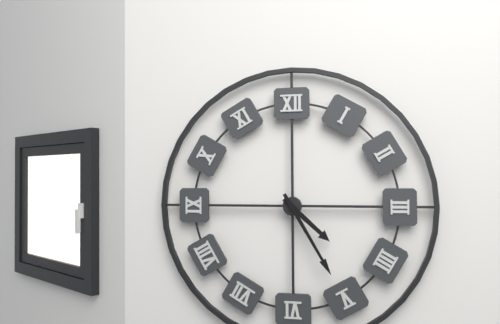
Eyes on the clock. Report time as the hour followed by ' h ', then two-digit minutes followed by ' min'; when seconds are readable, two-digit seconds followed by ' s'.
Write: 4 h 25 min
